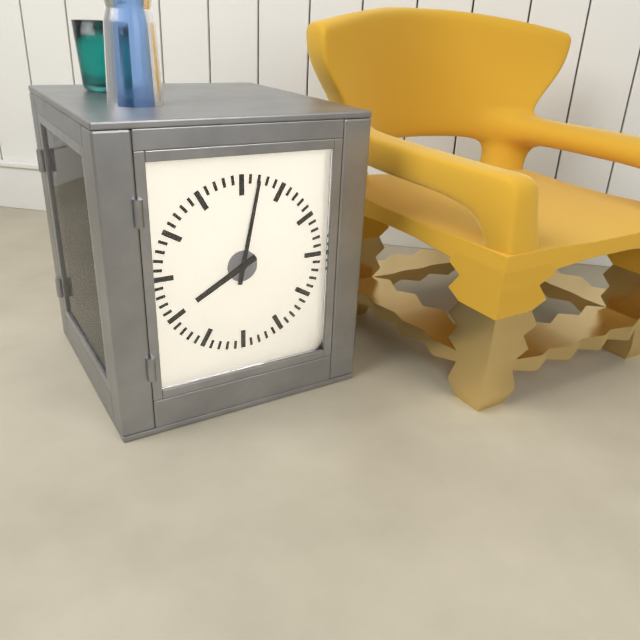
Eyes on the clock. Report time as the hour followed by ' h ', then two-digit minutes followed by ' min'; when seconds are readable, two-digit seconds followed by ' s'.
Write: 8 h 02 min
